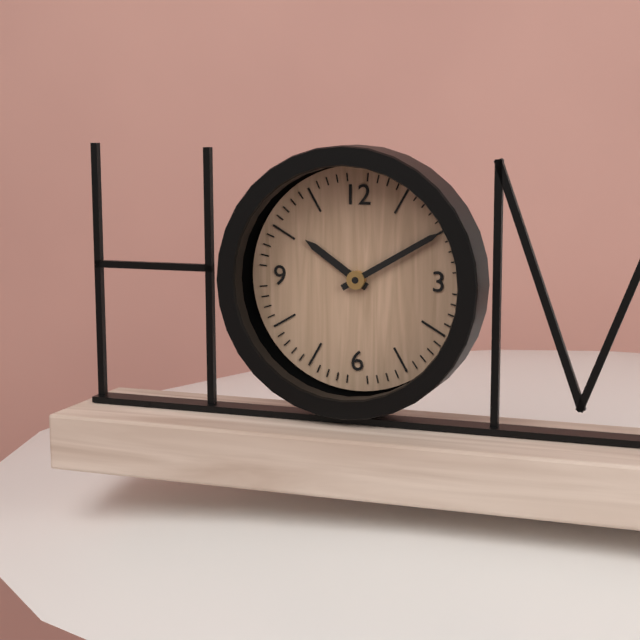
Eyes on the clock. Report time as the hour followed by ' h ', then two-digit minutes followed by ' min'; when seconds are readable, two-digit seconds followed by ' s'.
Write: 10 h 10 min
